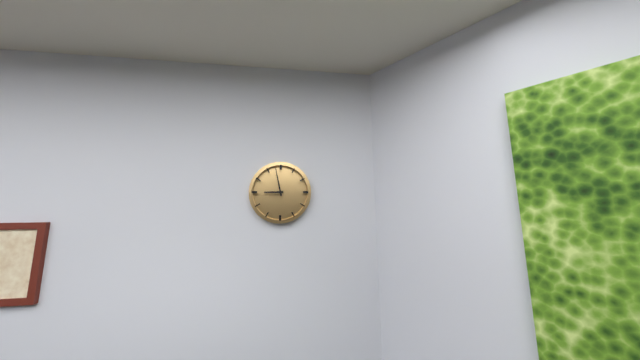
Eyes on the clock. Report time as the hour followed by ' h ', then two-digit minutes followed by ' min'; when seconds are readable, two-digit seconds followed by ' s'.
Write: 8 h 58 min
